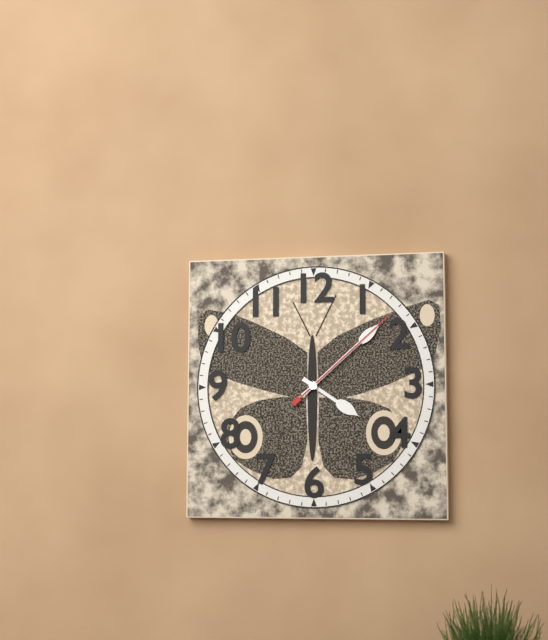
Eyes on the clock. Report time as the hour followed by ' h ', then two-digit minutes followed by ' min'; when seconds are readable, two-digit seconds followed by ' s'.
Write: 4 h 08 min 08 s
